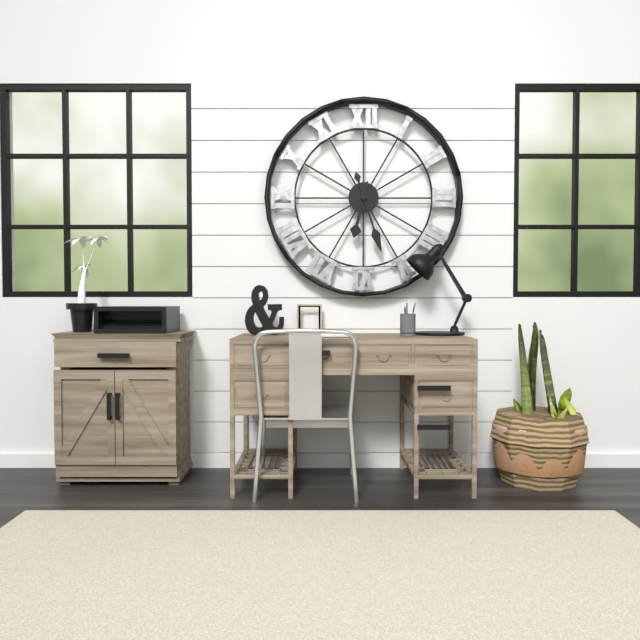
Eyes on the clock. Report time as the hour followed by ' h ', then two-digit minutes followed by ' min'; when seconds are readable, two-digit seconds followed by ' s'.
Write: 6 h 27 min
